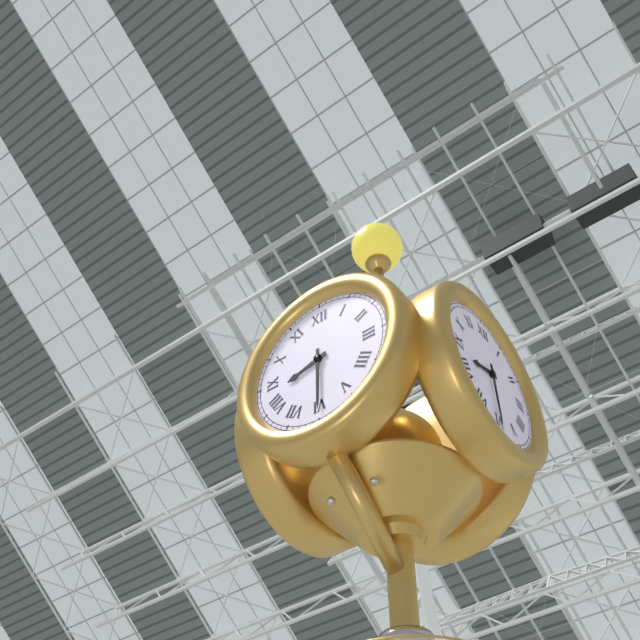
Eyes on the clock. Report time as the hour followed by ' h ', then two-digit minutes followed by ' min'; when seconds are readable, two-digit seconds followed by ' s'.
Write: 8 h 30 min
